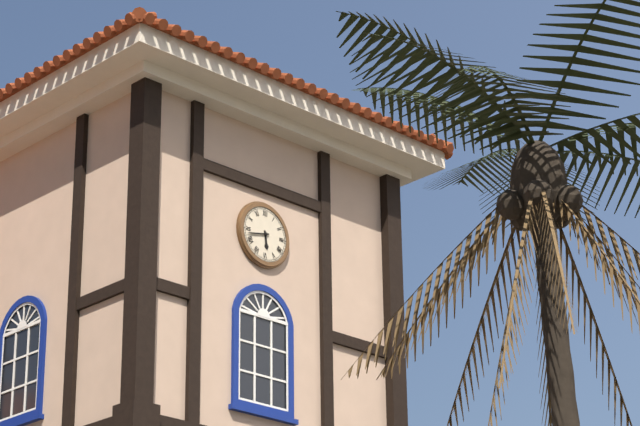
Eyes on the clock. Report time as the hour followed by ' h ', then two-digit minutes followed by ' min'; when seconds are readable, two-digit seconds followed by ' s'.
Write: 5 h 43 min
